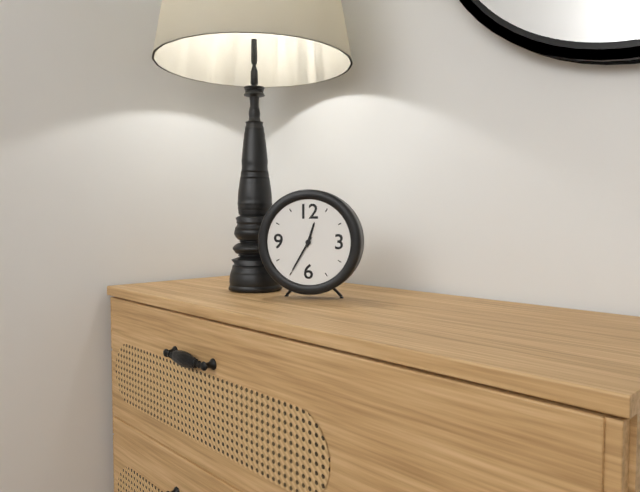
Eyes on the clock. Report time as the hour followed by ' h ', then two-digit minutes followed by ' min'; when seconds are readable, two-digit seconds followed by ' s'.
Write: 12 h 35 min
